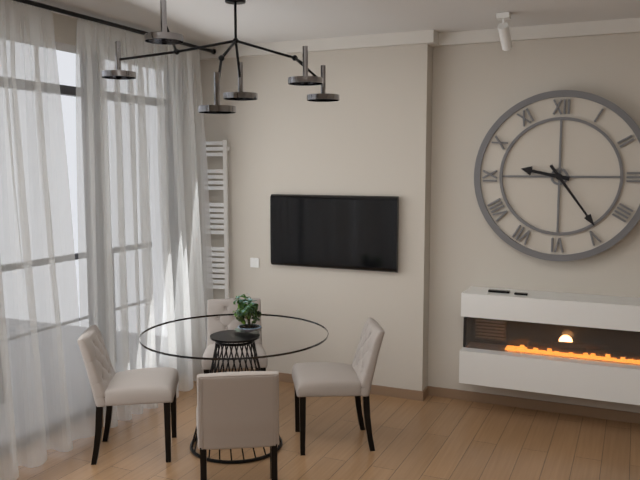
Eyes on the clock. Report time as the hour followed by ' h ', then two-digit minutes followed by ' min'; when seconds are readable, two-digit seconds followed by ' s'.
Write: 9 h 24 min
